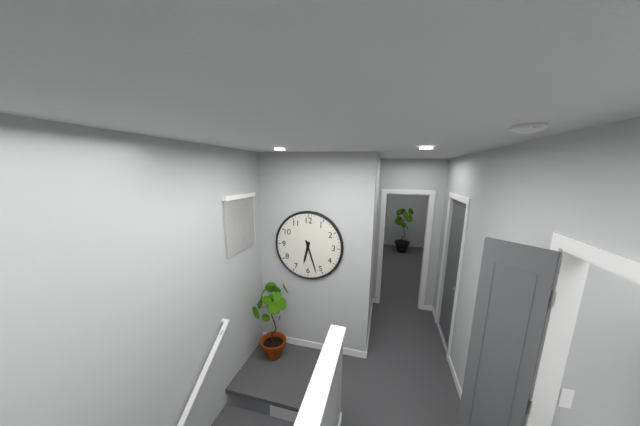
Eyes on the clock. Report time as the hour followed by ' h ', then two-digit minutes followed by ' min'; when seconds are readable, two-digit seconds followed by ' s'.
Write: 6 h 27 min
